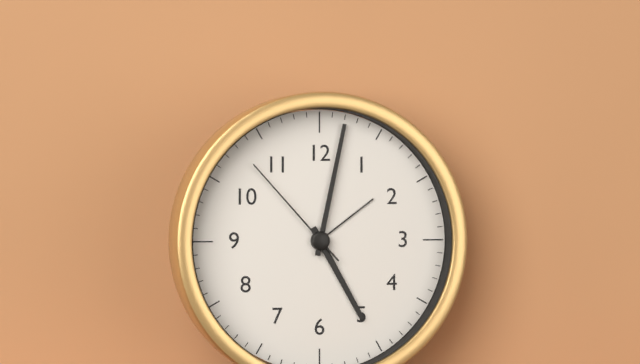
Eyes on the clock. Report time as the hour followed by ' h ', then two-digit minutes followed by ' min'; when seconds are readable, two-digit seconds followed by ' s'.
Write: 5 h 02 min 53 s
